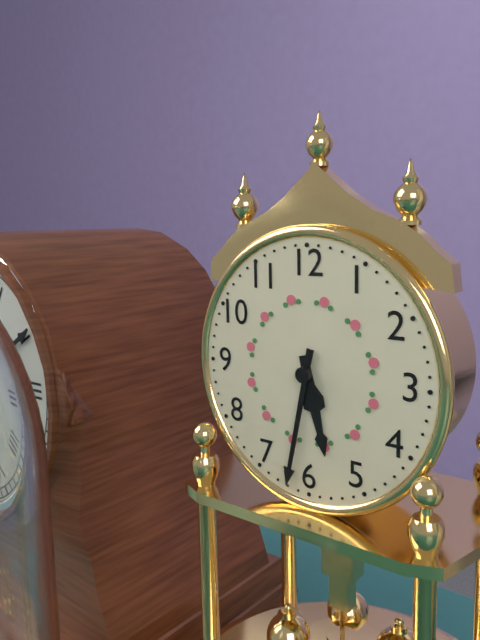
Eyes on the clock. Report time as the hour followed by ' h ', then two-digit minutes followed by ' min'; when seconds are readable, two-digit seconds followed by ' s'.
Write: 5 h 32 min
